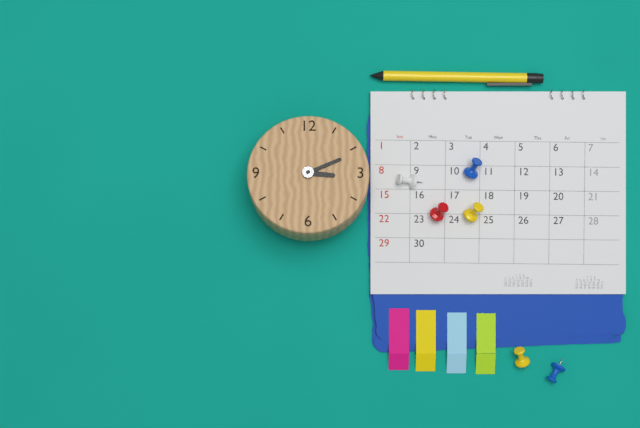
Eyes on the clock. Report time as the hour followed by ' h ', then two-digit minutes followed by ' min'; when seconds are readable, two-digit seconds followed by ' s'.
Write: 3 h 11 min
